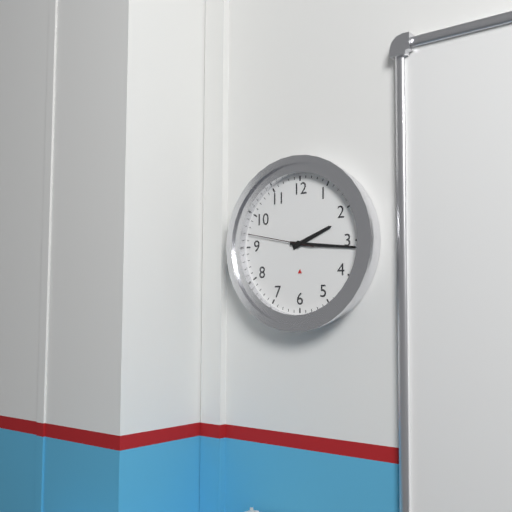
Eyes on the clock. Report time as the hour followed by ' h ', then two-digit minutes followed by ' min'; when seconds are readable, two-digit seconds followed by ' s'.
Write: 2 h 16 min 47 s
